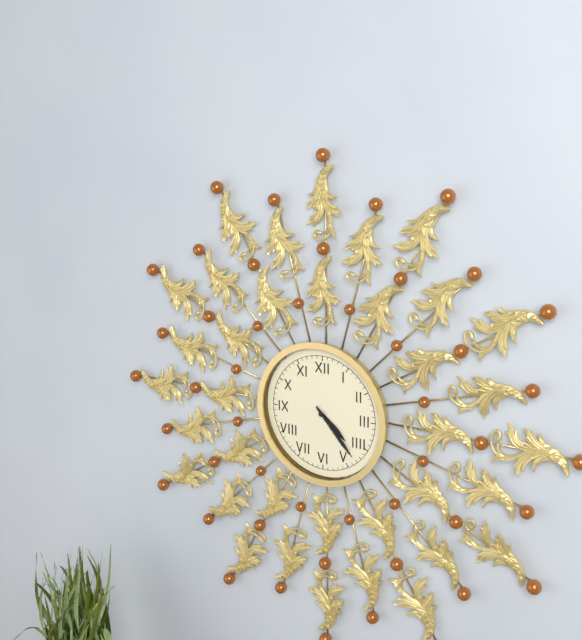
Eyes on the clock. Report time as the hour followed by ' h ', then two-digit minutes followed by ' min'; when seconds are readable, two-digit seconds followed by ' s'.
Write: 4 h 23 min
